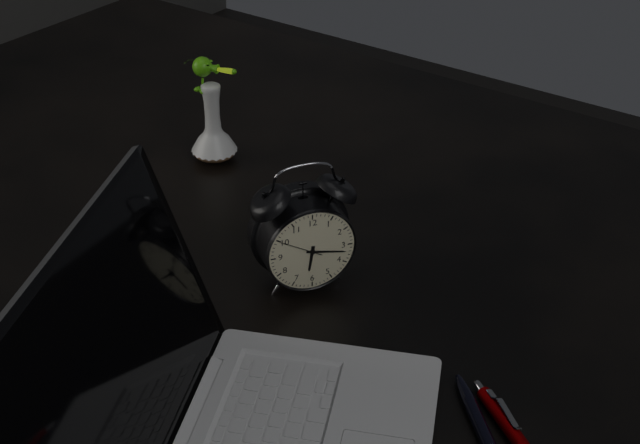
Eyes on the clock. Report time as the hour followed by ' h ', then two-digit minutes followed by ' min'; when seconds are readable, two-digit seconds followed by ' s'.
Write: 6 h 17 min
